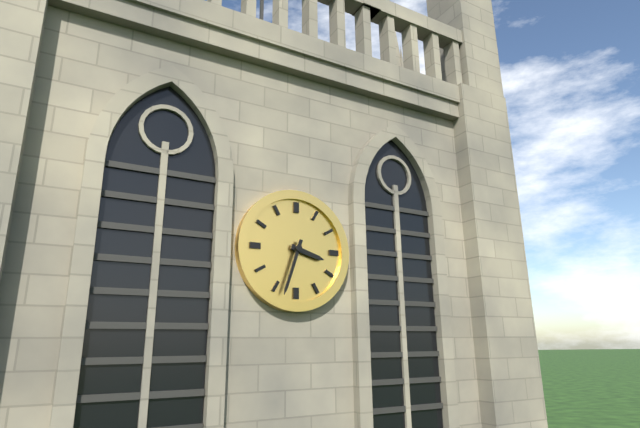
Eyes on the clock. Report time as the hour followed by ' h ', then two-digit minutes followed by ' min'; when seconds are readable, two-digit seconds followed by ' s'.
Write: 3 h 33 min
